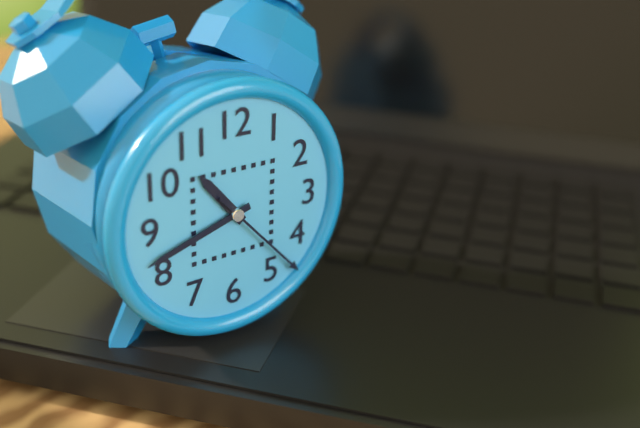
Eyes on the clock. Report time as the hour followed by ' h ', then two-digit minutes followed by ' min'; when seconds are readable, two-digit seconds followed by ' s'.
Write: 10 h 42 min 23 s
